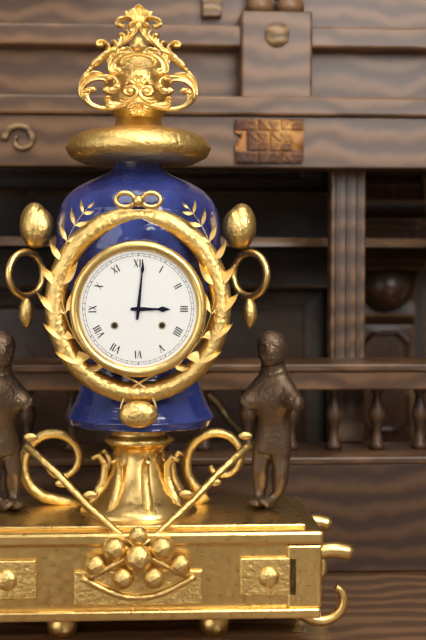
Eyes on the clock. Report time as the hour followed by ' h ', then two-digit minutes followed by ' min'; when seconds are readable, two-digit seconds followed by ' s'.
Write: 3 h 01 min
